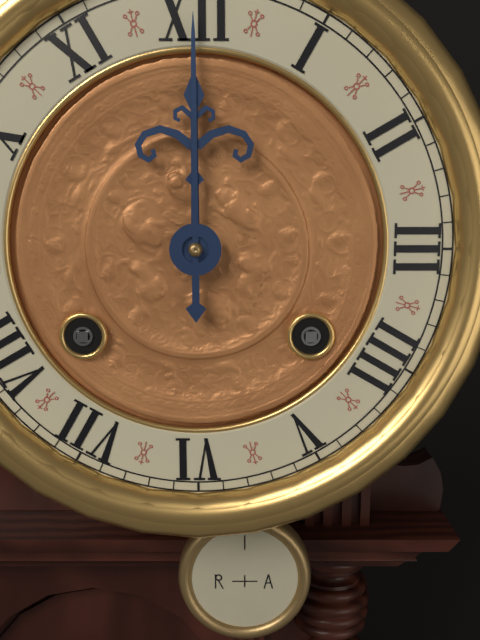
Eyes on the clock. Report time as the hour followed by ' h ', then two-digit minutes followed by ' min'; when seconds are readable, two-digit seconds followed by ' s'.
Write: 12 h 00 min
